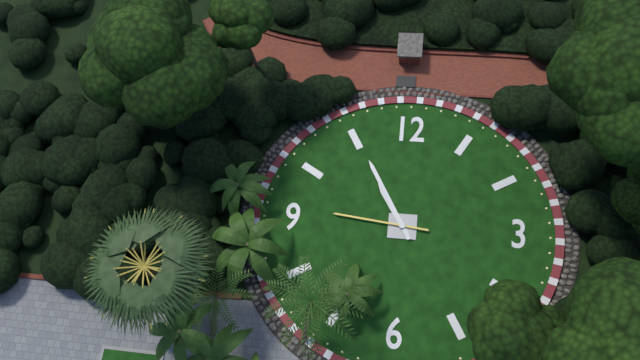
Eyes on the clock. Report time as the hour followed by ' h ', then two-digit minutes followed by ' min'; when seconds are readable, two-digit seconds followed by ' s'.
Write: 10 h 55 min 46 s
